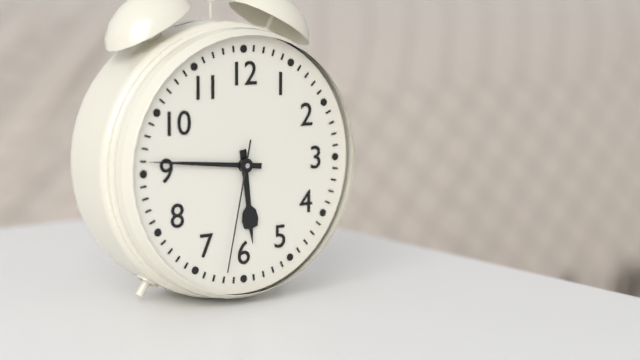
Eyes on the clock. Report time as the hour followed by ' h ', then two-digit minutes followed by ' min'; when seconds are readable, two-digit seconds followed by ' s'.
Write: 5 h 46 min 32 s
